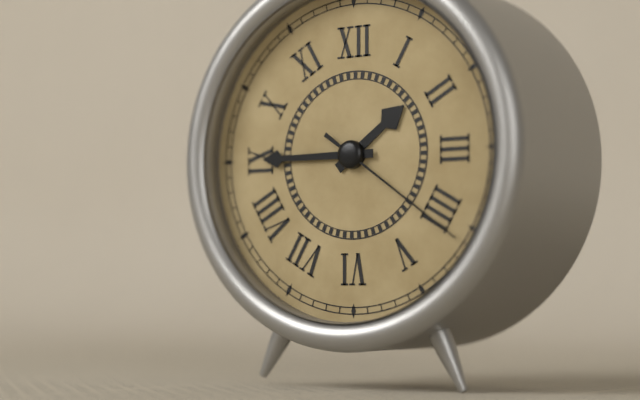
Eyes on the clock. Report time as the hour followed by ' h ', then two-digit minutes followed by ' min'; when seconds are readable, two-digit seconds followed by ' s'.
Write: 1 h 45 min 21 s
